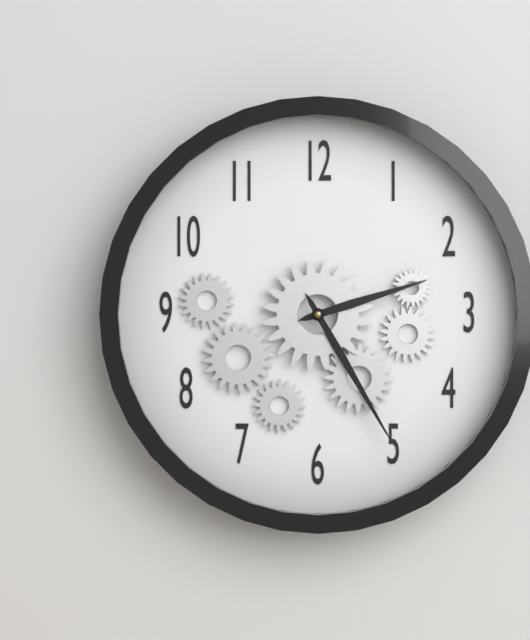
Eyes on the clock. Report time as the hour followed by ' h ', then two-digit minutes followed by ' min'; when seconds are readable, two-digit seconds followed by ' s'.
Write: 2 h 25 min
